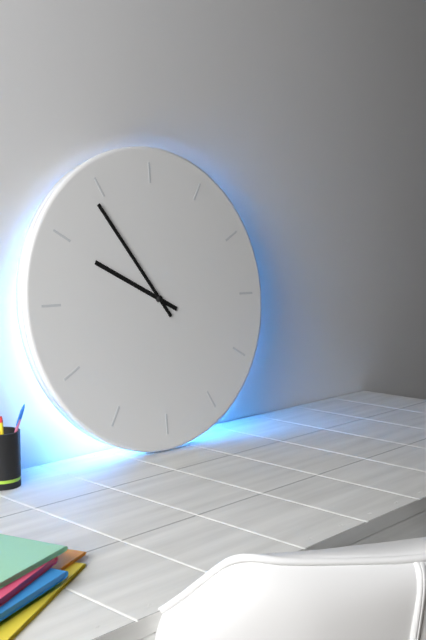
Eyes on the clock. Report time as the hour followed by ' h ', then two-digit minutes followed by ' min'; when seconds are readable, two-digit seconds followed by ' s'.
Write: 9 h 54 min
